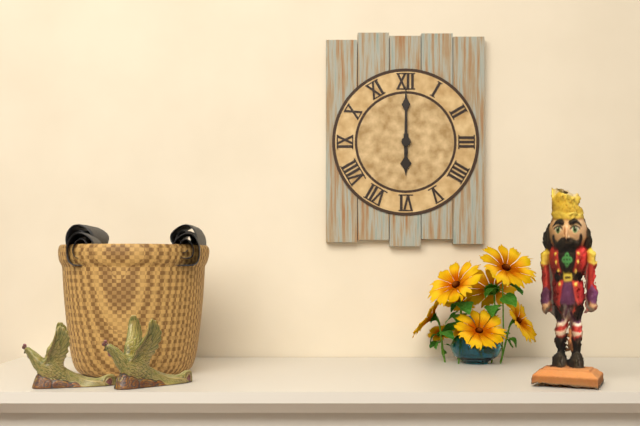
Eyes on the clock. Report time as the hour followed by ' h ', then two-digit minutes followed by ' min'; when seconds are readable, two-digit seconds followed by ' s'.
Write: 6 h 00 min
